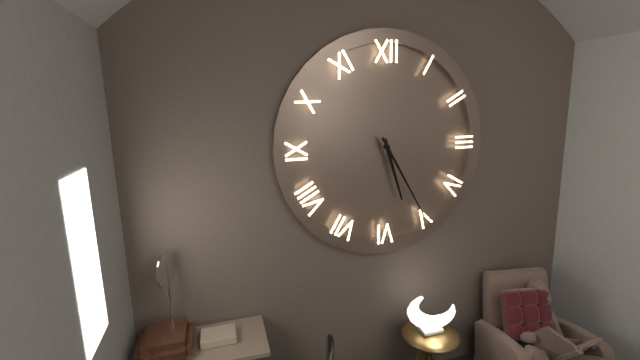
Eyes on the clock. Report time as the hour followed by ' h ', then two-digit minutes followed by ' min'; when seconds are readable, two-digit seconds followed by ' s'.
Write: 5 h 25 min
